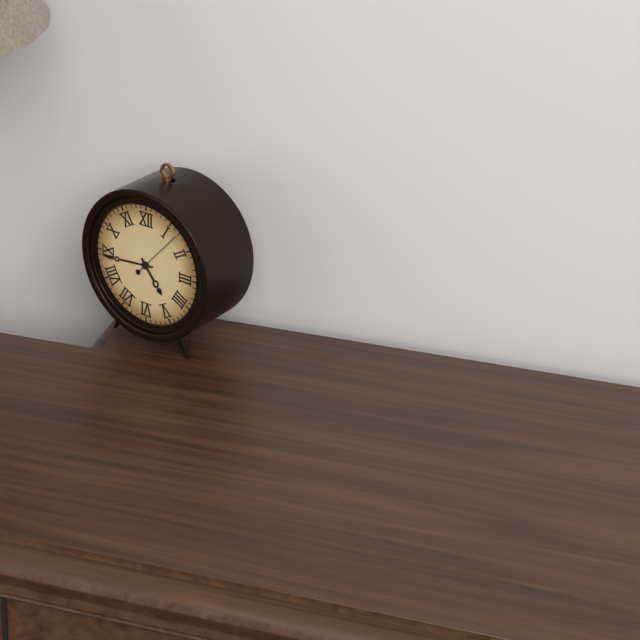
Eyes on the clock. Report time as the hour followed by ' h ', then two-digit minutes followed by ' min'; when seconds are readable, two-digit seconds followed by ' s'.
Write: 4 h 44 min 07 s
